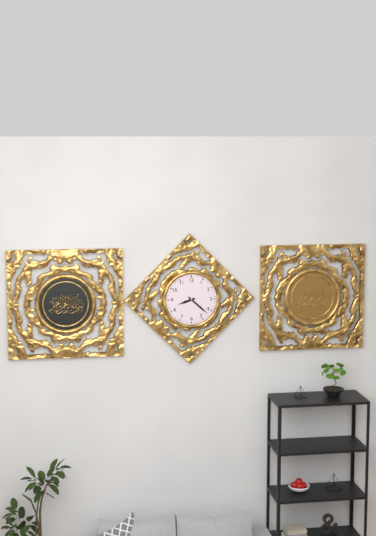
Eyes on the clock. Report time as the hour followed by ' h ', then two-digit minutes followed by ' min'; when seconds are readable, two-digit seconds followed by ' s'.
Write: 8 h 22 min
